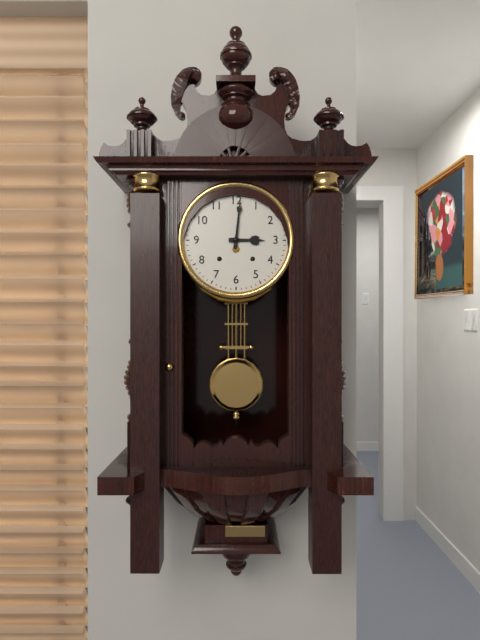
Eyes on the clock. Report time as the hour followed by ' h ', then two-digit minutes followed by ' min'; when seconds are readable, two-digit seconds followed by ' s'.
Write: 3 h 01 min
